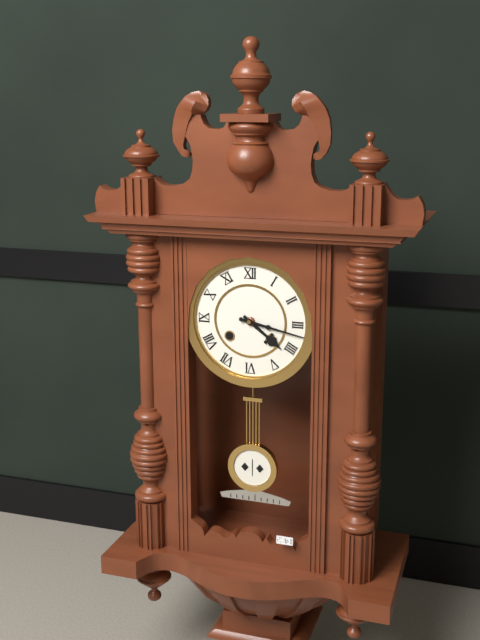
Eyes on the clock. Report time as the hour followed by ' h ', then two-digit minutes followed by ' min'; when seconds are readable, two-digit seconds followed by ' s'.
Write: 4 h 17 min
